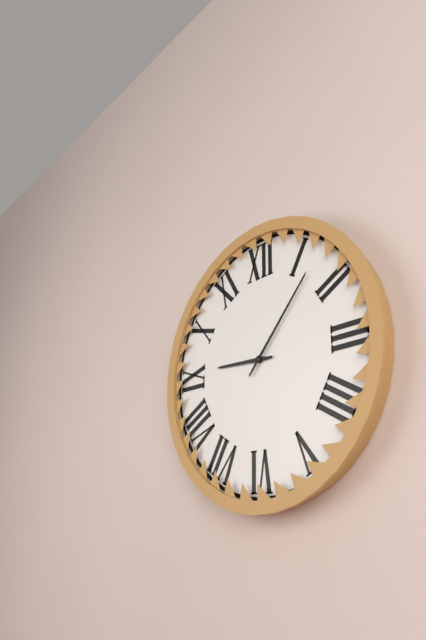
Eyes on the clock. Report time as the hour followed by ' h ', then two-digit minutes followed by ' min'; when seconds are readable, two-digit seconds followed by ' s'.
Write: 9 h 07 min
